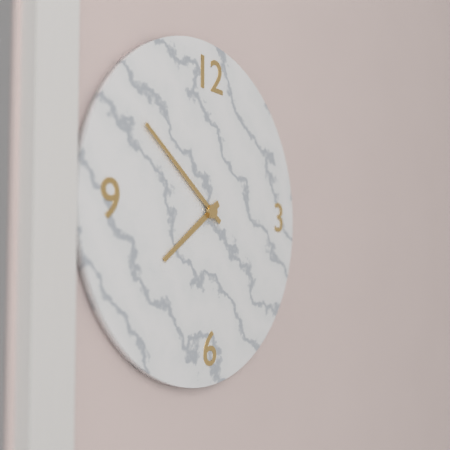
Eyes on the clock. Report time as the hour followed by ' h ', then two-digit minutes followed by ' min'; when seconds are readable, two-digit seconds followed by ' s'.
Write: 7 h 51 min
